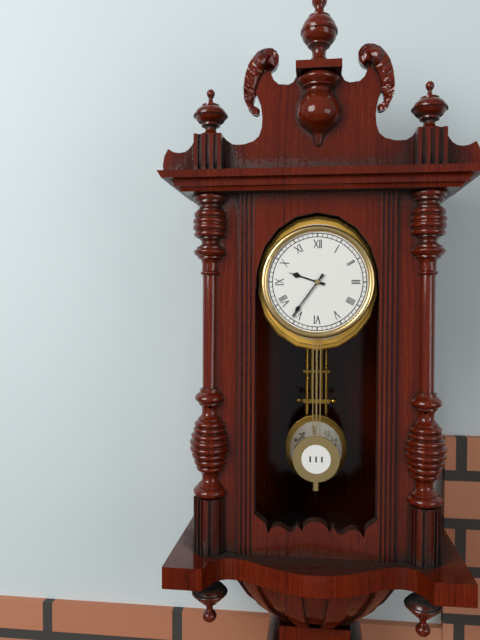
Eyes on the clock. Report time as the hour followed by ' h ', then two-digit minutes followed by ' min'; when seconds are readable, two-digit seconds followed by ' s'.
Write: 9 h 36 min
